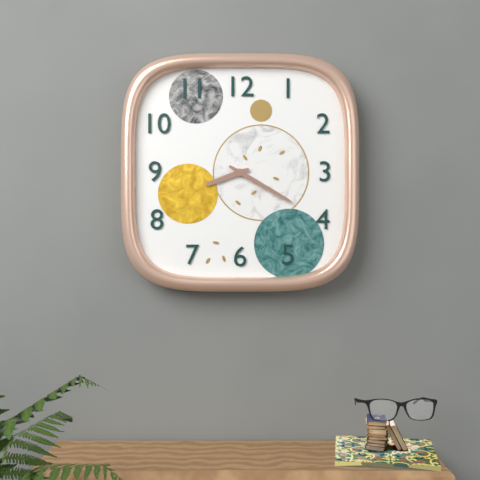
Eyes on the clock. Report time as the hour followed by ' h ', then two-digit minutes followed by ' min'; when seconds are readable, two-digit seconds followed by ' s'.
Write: 8 h 20 min
